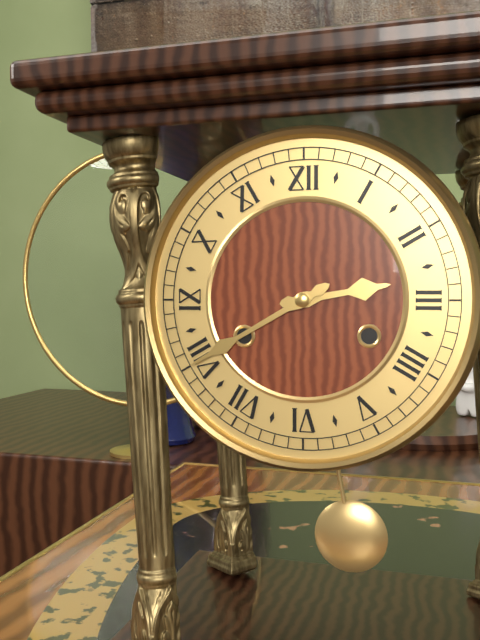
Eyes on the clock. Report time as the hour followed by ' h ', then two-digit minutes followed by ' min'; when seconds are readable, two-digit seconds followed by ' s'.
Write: 2 h 40 min
